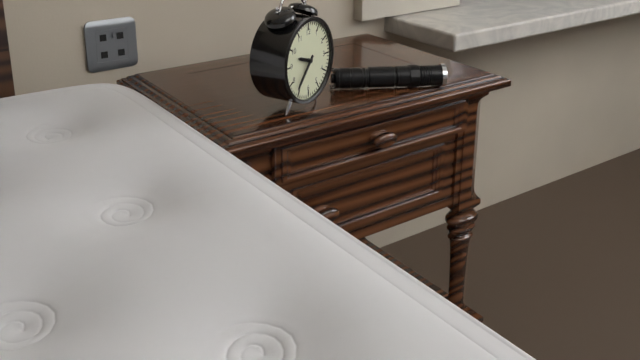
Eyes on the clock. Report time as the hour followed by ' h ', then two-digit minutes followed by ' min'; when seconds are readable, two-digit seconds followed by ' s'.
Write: 9 h 37 min
